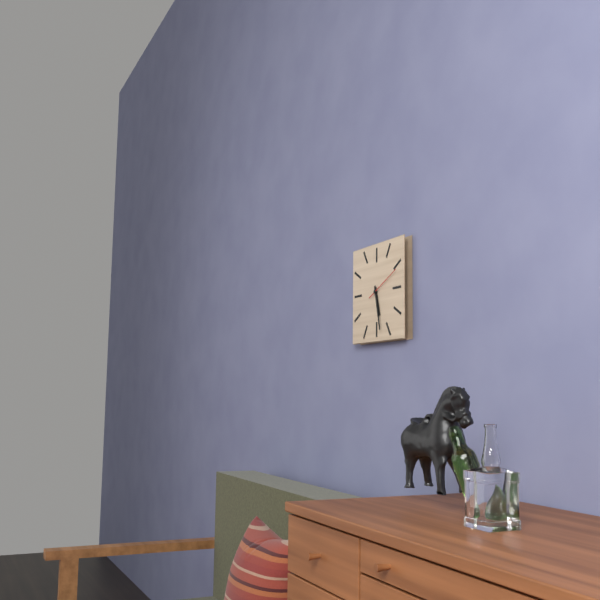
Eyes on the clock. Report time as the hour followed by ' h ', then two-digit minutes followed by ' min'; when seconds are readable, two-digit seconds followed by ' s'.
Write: 5 h 28 min
